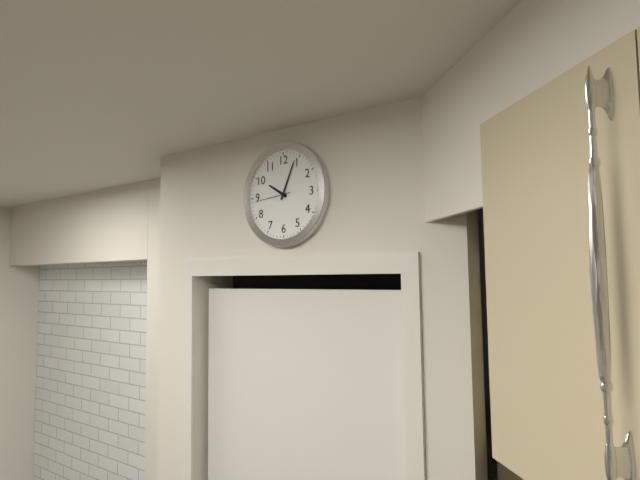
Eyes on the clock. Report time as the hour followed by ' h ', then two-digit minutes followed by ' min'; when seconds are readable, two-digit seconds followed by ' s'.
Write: 10 h 04 min
